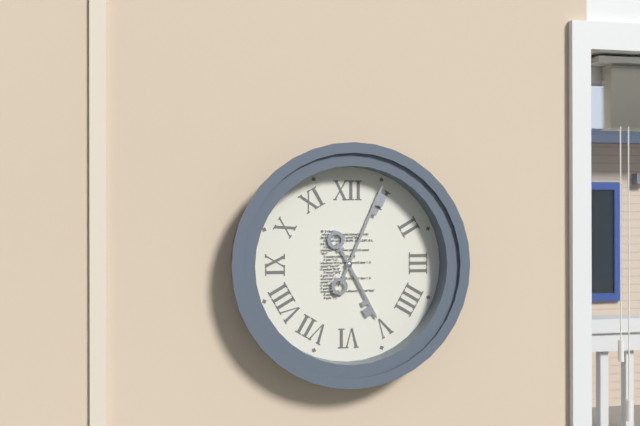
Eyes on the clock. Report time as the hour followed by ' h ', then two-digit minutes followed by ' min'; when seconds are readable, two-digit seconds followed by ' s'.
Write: 5 h 04 min
